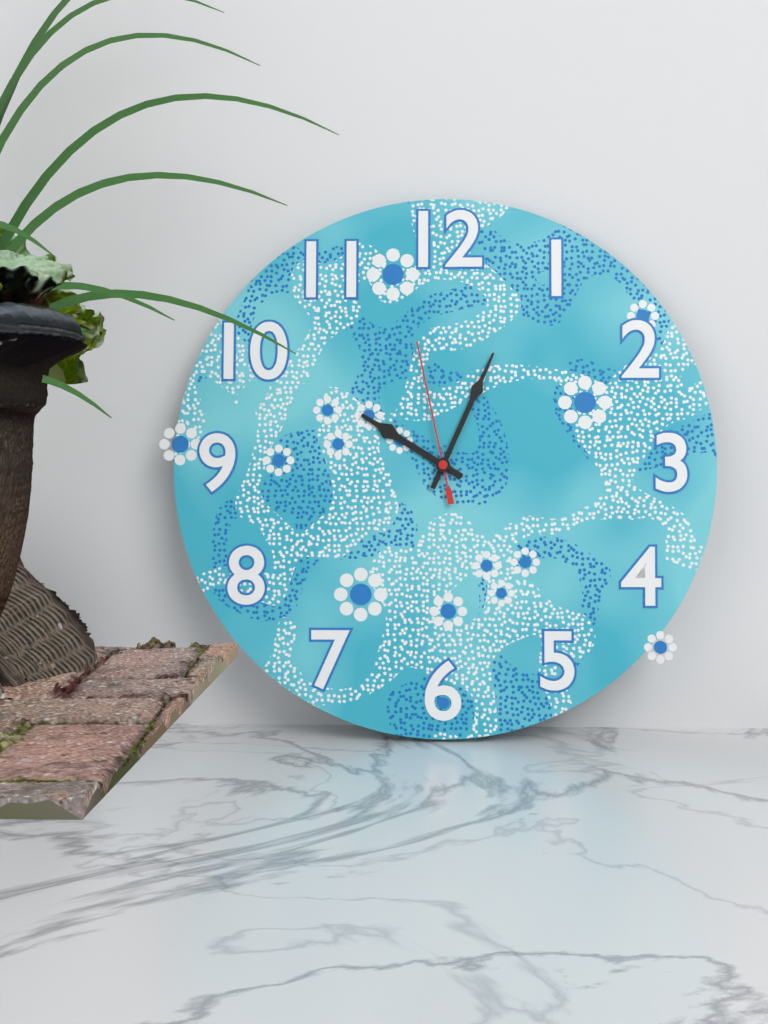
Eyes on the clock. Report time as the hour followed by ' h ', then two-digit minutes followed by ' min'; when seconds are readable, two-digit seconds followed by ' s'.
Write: 10 h 04 min 58 s
